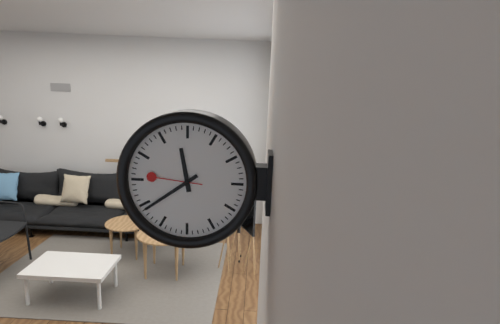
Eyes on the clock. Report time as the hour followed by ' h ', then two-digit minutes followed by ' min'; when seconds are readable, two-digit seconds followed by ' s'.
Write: 11 h 39 min 46 s
